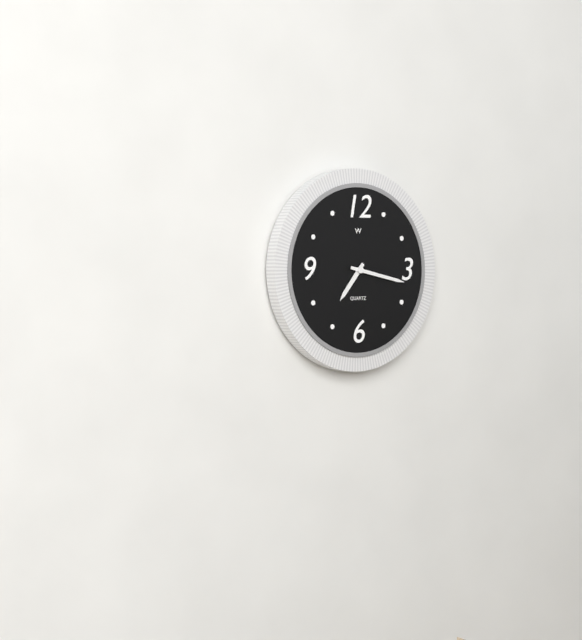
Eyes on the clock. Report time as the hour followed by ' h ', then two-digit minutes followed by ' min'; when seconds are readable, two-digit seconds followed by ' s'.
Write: 7 h 17 min
